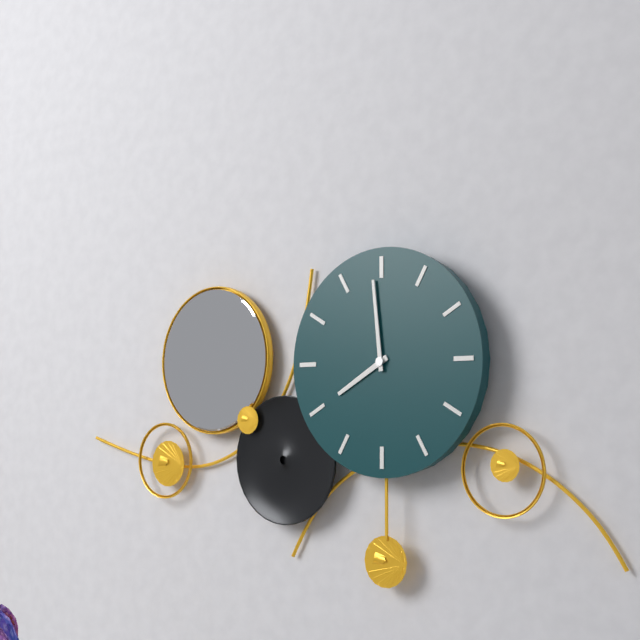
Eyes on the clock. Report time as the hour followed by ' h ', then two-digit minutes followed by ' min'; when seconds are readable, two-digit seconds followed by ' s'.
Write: 7 h 59 min
